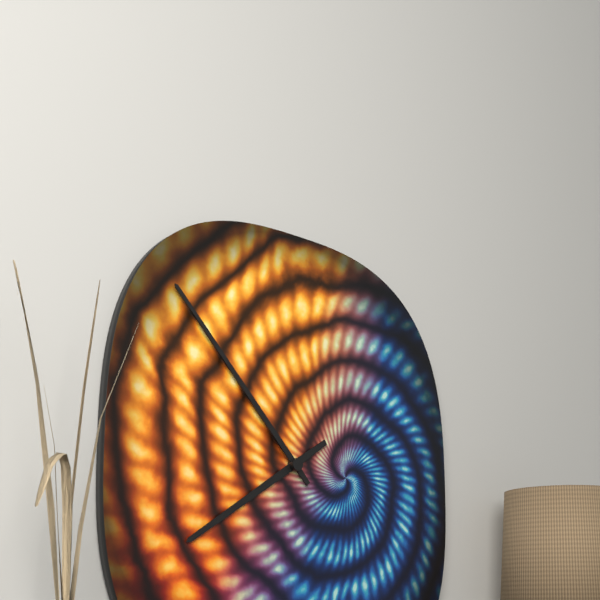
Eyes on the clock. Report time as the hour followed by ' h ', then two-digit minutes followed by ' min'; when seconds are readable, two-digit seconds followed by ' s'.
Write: 7 h 53 min
